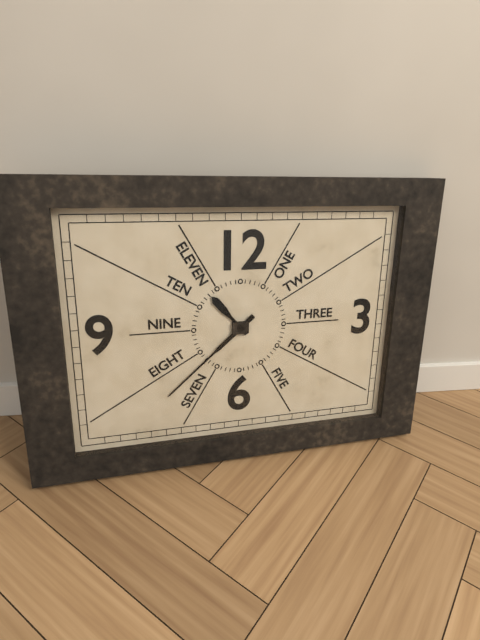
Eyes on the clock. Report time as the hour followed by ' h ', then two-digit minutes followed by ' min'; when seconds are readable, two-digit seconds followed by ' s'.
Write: 10 h 38 min
